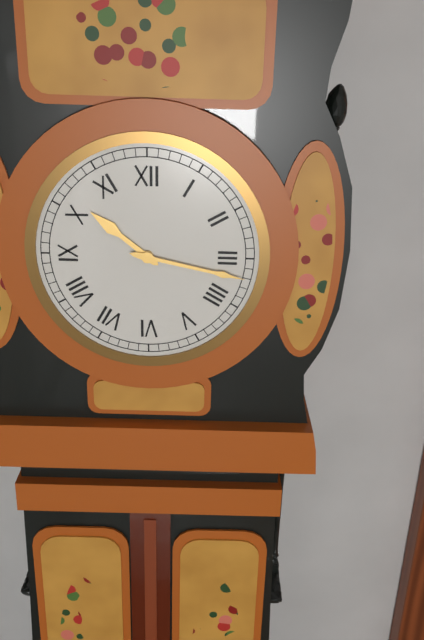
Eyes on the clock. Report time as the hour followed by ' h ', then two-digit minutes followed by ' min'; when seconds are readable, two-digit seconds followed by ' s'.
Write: 10 h 17 min
